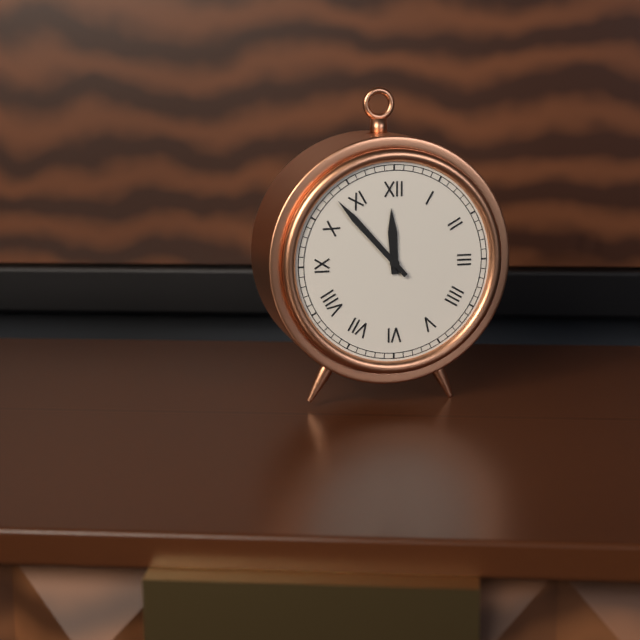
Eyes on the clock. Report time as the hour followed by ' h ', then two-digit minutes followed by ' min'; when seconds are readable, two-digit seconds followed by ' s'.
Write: 11 h 53 min
